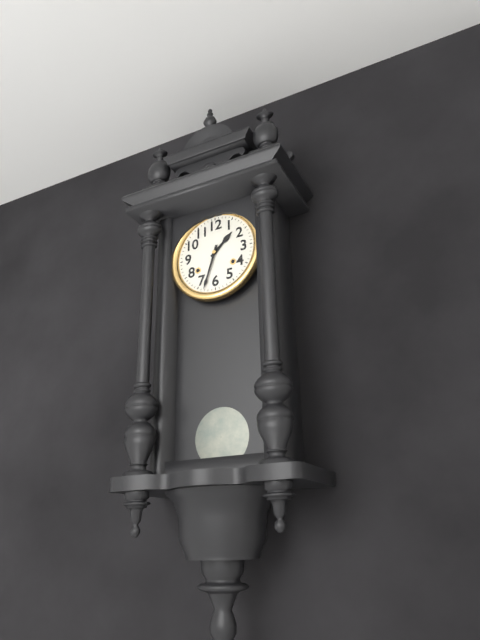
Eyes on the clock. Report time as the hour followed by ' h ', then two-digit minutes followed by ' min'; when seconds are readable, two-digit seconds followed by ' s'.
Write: 1 h 33 min
